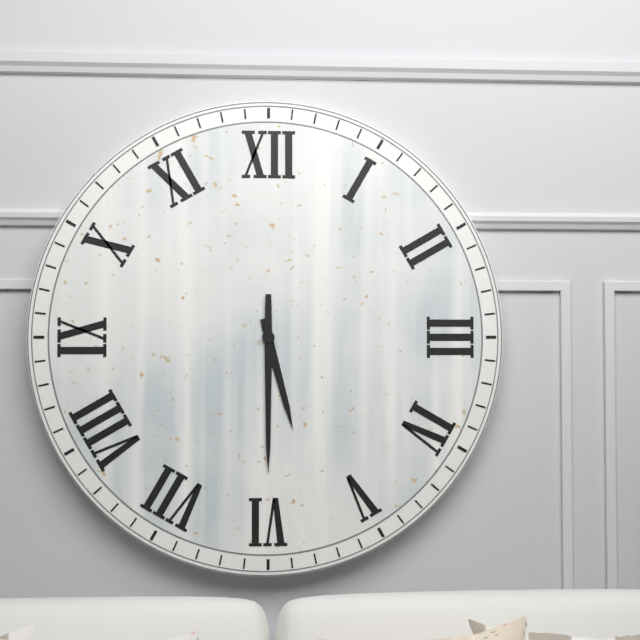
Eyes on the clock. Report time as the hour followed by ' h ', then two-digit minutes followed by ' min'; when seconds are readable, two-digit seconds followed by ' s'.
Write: 5 h 30 min
